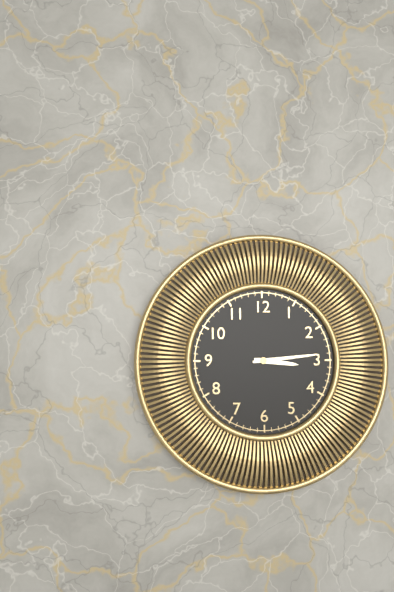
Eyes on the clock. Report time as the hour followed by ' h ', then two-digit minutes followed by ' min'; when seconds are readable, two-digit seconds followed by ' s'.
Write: 3 h 14 min
